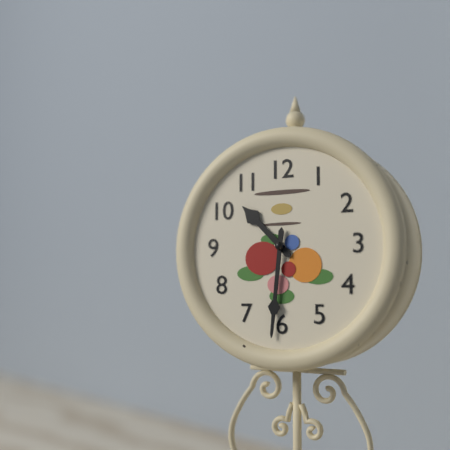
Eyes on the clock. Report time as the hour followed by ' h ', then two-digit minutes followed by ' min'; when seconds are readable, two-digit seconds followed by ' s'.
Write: 10 h 31 min
